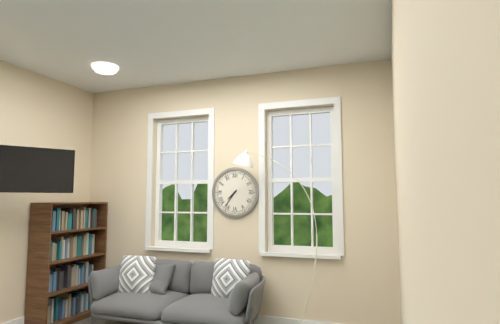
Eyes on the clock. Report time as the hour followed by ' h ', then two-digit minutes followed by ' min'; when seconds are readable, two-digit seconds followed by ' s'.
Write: 7 h 36 min
